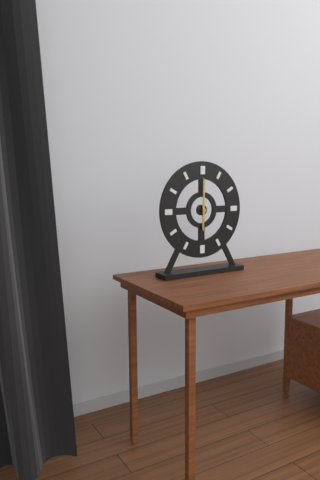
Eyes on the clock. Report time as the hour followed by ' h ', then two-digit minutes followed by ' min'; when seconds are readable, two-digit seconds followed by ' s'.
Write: 6 h 00 min
